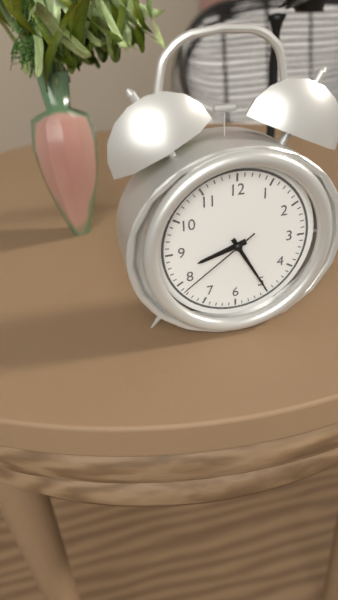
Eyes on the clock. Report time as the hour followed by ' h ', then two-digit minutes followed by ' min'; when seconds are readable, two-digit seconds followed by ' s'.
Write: 8 h 25 min 39 s
